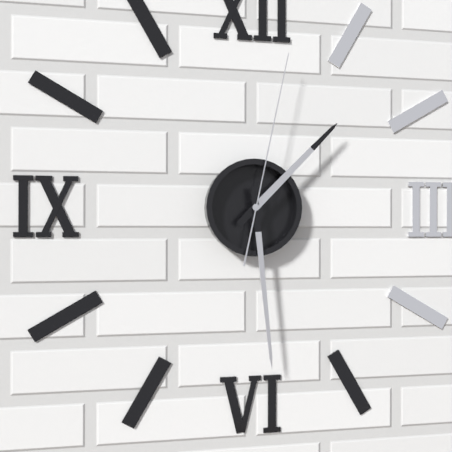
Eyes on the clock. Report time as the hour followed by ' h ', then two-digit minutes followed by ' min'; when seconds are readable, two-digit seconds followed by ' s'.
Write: 1 h 29 min 02 s
